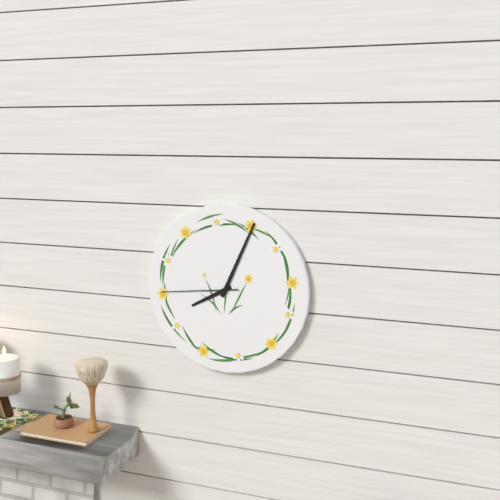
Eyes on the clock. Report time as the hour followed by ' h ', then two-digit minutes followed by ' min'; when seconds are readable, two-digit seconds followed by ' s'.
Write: 8 h 04 min 44 s
